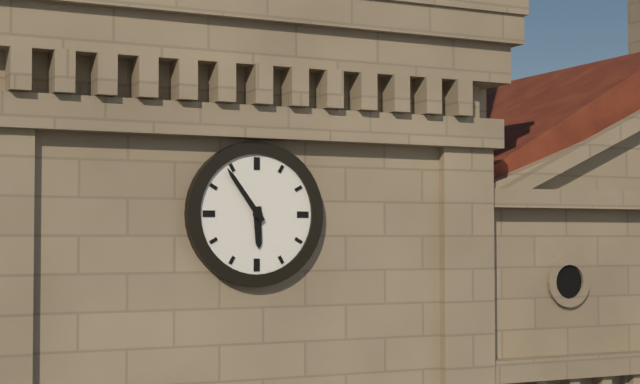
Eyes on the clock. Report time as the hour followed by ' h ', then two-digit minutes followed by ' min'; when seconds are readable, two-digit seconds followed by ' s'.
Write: 5 h 54 min
